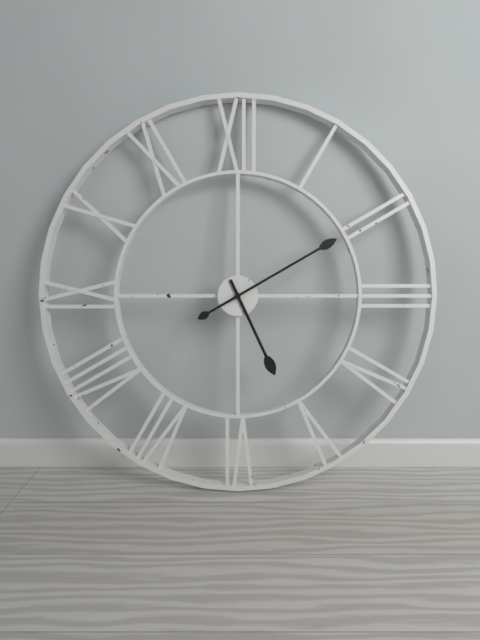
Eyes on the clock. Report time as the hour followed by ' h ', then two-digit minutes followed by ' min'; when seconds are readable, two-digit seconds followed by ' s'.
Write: 5 h 10 min
